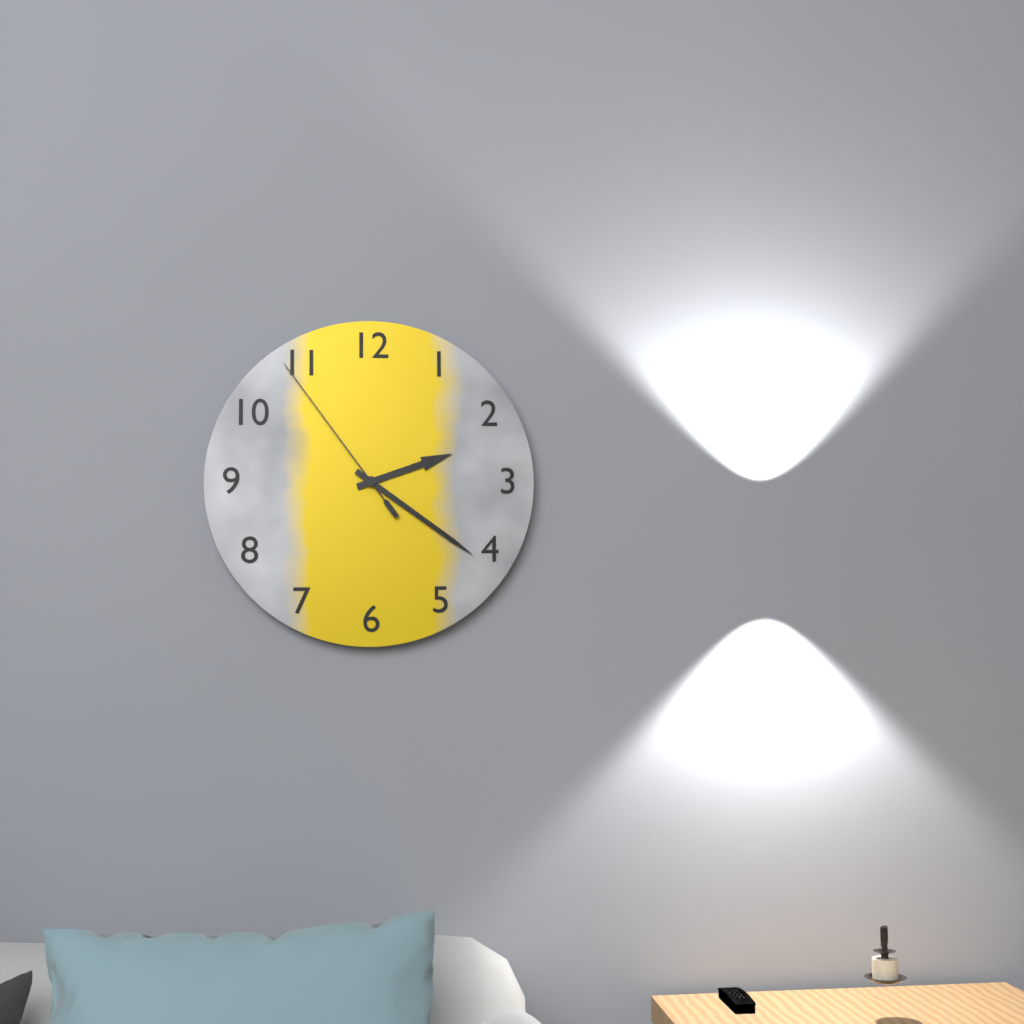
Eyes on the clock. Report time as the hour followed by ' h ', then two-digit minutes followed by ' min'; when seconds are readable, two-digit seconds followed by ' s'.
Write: 2 h 21 min 54 s
